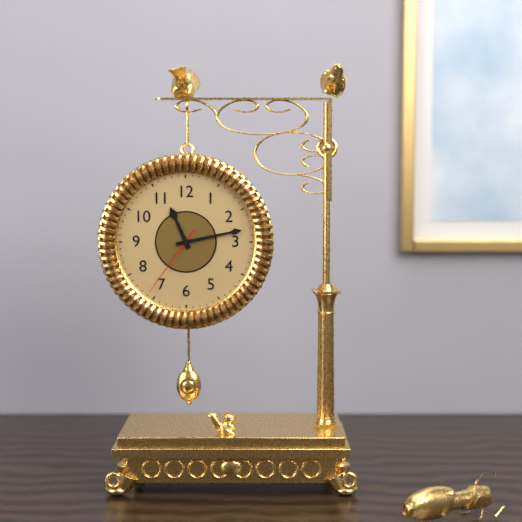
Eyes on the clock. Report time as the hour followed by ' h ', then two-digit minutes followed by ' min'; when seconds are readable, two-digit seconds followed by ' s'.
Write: 11 h 13 min 36 s
